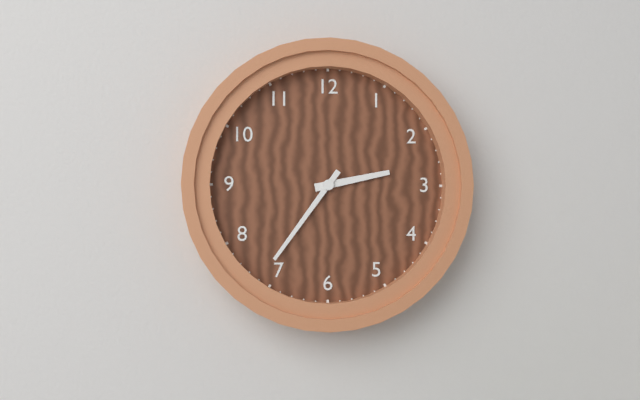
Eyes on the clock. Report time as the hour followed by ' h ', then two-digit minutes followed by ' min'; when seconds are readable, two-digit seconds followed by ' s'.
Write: 2 h 36 min
